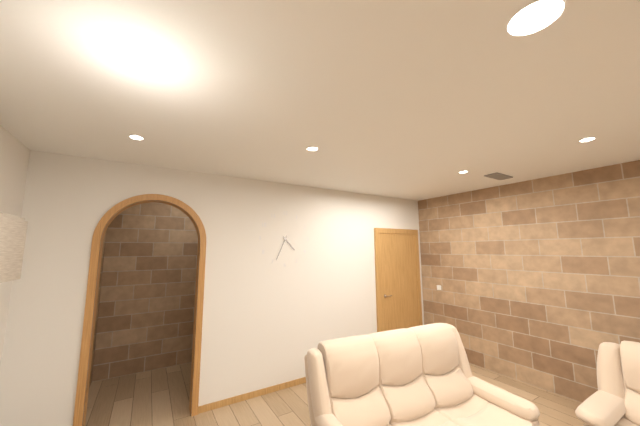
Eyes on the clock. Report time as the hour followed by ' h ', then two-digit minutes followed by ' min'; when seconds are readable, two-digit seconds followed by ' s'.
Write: 4 h 34 min
